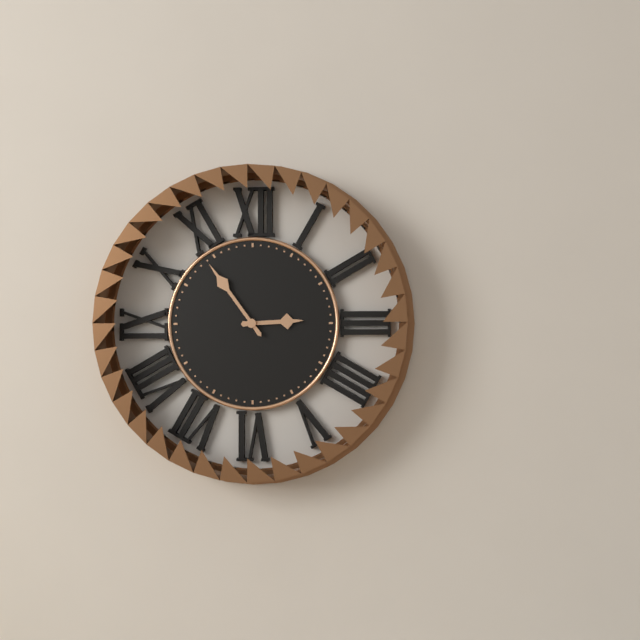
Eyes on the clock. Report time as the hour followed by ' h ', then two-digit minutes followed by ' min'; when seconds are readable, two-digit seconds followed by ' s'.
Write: 2 h 54 min
